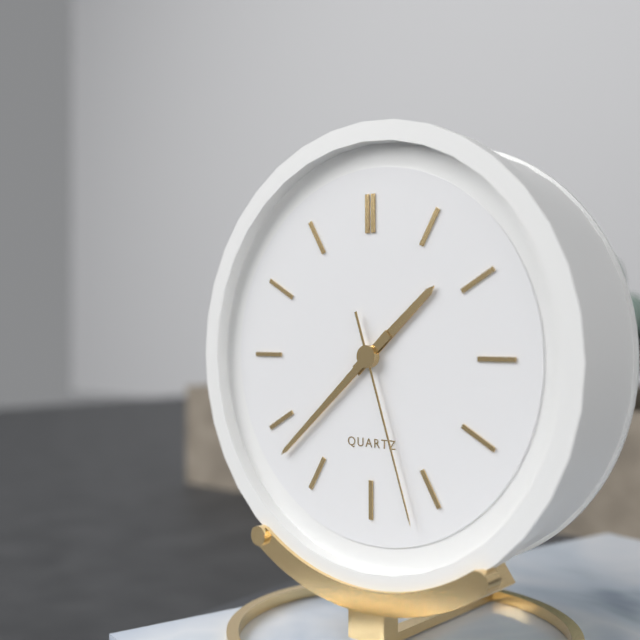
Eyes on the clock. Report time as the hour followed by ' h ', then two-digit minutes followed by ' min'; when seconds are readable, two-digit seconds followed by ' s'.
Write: 1 h 38 min 27 s
